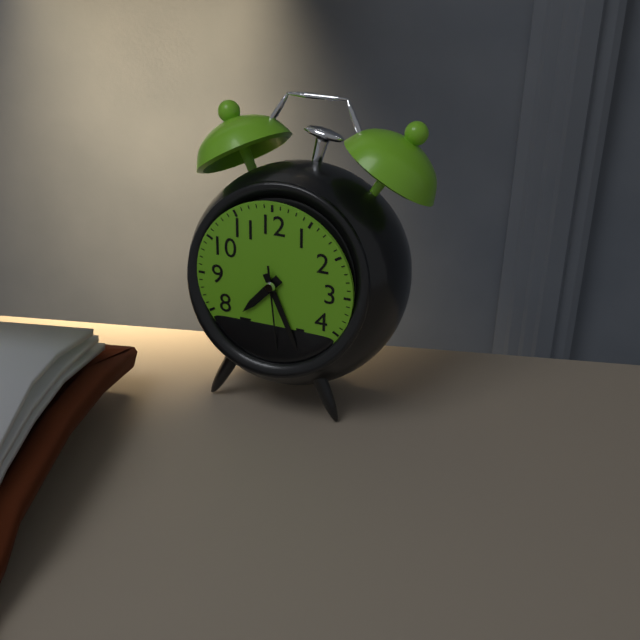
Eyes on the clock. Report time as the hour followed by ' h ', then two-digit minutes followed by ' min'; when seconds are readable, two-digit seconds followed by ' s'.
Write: 7 h 26 min 29 s
